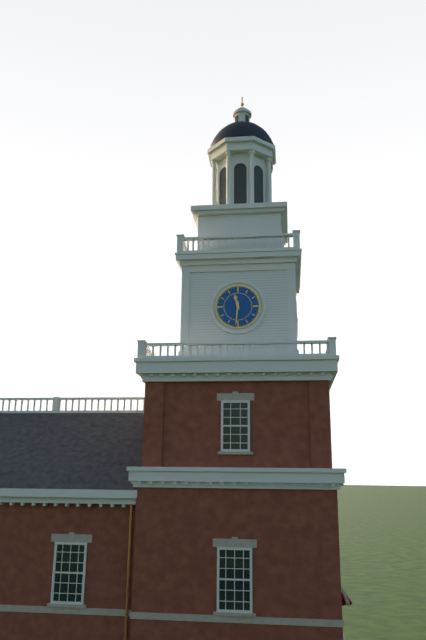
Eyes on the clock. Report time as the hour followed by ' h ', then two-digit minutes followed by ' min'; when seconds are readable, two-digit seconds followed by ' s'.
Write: 11 h 31 min
